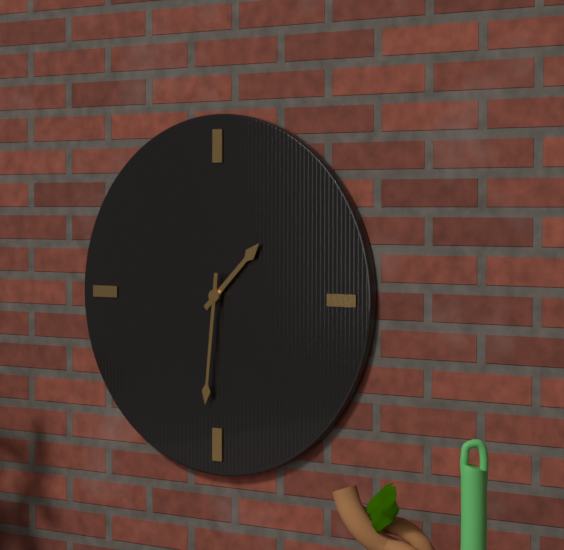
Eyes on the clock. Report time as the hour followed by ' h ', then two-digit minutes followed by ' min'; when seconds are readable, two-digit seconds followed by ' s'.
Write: 1 h 31 min
